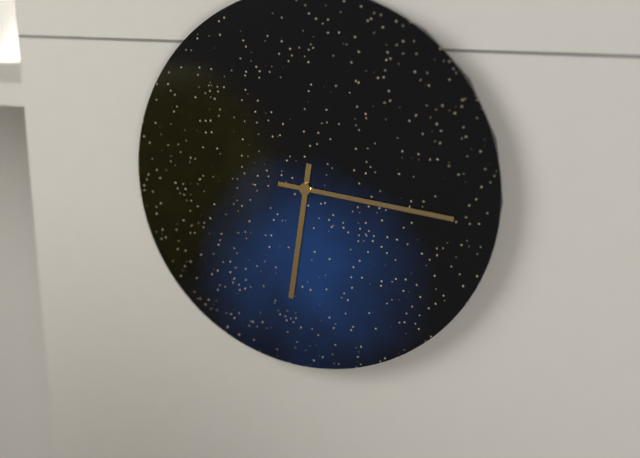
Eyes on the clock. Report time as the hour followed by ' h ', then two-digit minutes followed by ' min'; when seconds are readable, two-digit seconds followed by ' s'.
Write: 6 h 16 min
